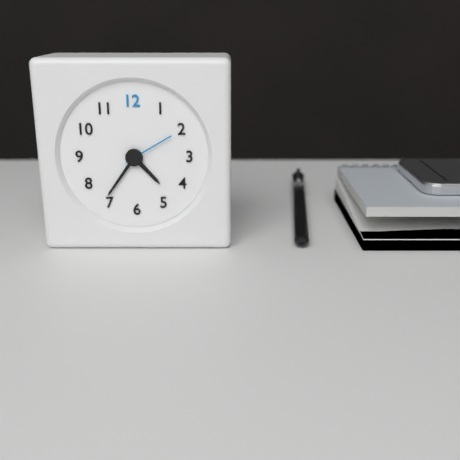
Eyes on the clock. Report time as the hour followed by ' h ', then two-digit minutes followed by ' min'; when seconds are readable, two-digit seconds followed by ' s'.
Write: 4 h 36 min
